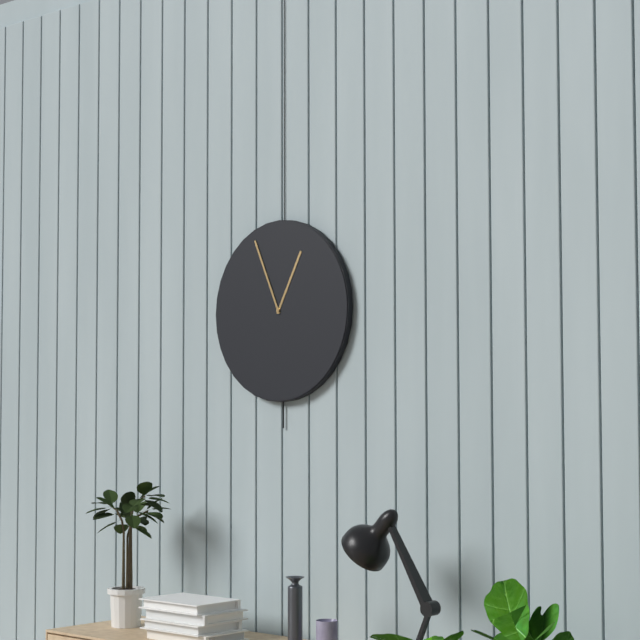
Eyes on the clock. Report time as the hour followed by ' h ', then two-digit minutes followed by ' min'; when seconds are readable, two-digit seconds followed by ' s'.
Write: 12 h 56 min
